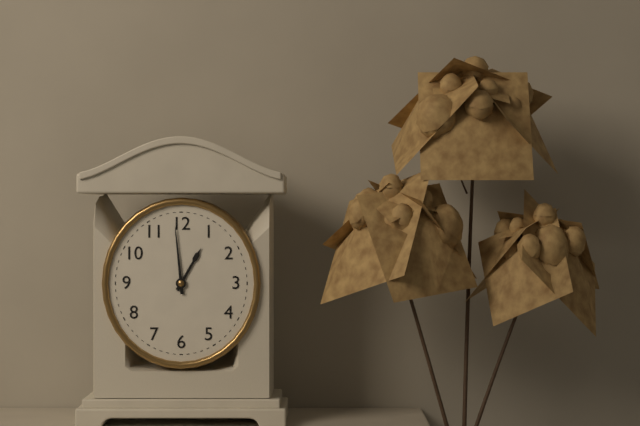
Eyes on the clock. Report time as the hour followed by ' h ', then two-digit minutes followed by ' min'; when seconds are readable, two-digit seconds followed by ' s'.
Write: 12 h 59 min
